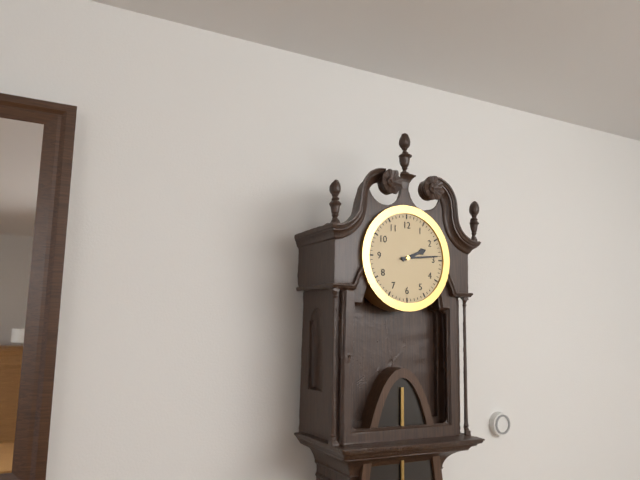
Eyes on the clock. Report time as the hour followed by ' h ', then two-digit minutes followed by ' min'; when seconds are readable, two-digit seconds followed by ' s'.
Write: 2 h 14 min
